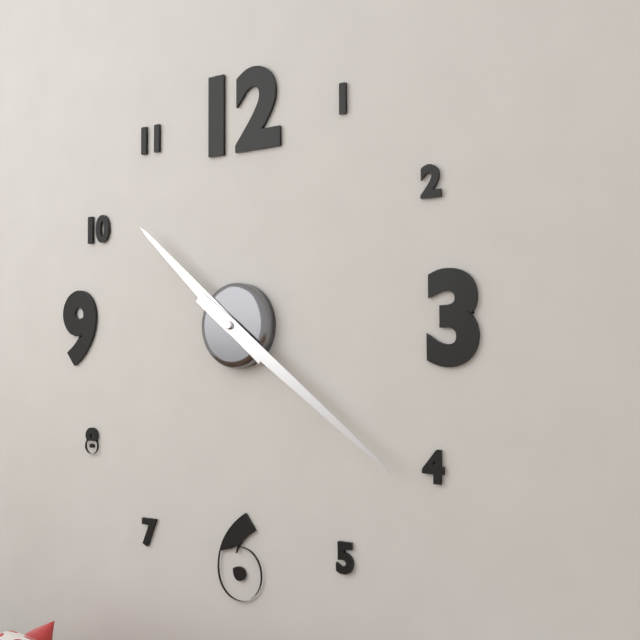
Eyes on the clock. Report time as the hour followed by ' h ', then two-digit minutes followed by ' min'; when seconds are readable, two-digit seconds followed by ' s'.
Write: 10 h 21 min
